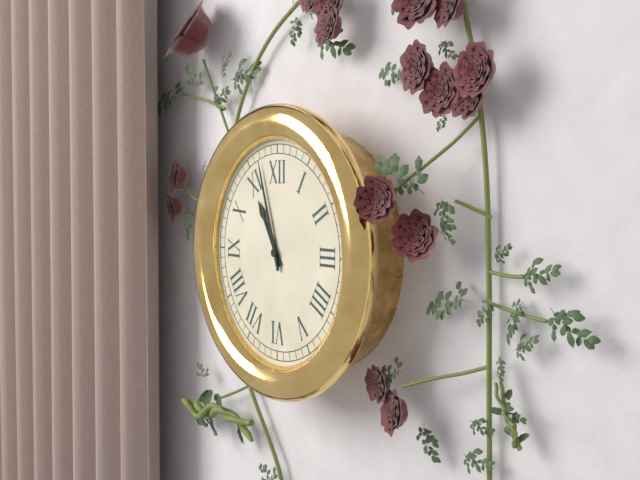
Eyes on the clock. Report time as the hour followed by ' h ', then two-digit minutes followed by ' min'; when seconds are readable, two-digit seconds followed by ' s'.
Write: 10 h 57 min
